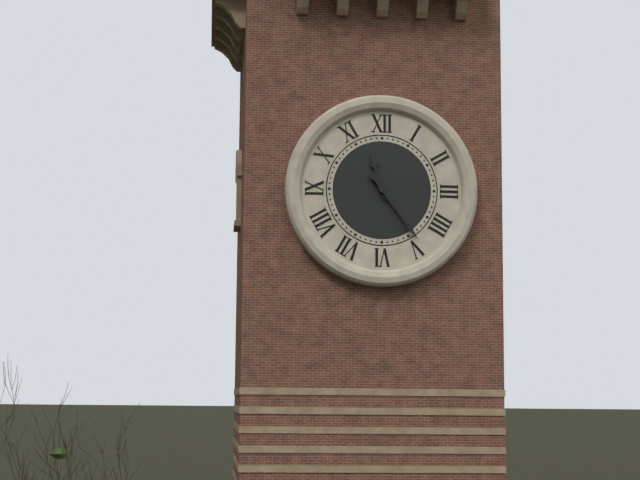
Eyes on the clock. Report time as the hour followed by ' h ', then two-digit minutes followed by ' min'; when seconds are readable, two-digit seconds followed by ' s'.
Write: 11 h 24 min
